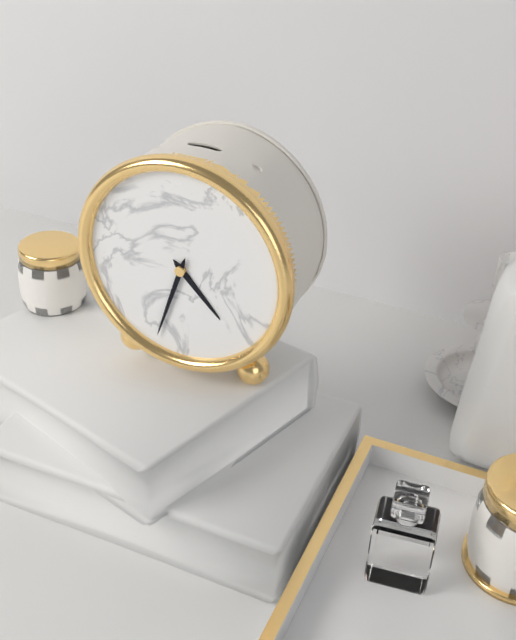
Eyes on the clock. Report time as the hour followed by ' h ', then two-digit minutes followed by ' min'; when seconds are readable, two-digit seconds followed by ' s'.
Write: 4 h 33 min
